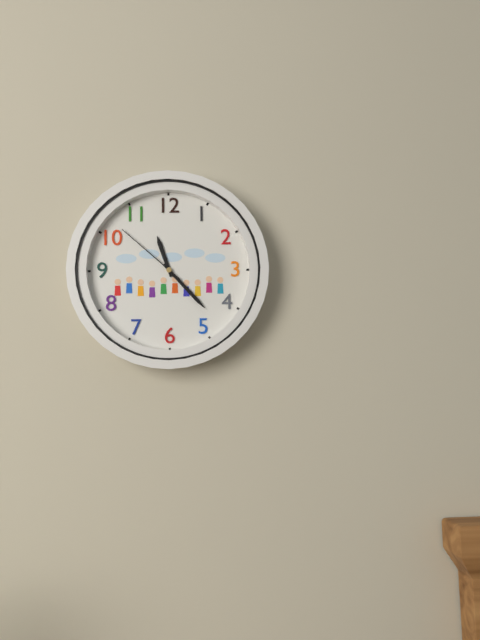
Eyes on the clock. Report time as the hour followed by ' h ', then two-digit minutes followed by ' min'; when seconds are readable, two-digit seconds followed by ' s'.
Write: 11 h 23 min 52 s
